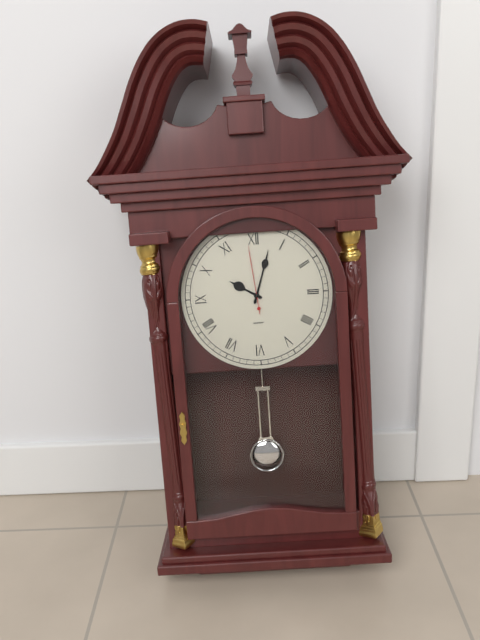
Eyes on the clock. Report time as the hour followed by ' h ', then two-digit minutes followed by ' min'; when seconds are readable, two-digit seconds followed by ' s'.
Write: 10 h 03 min 59 s
